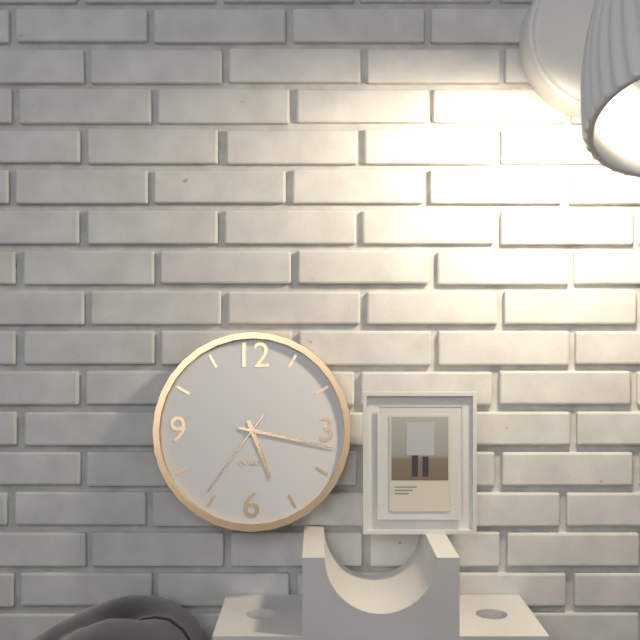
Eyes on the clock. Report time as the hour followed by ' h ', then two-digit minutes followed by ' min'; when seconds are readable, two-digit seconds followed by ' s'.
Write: 5 h 17 min 36 s
